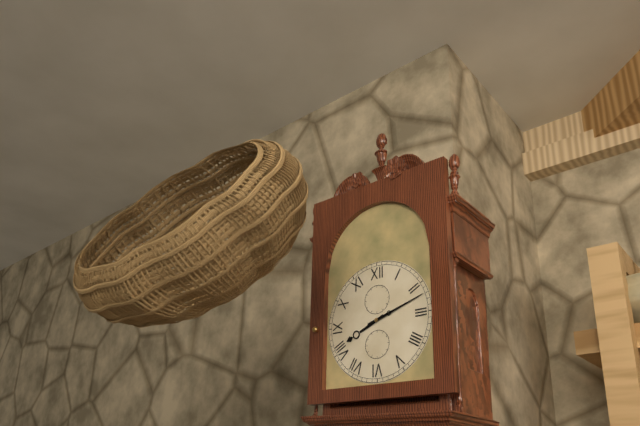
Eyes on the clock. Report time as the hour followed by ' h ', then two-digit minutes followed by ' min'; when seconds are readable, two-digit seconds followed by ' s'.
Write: 8 h 12 min
